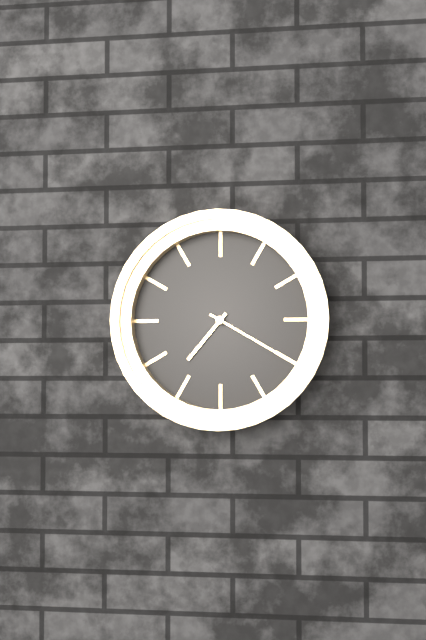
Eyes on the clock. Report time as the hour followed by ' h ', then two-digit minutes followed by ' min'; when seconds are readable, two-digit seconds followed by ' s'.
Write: 7 h 20 min
